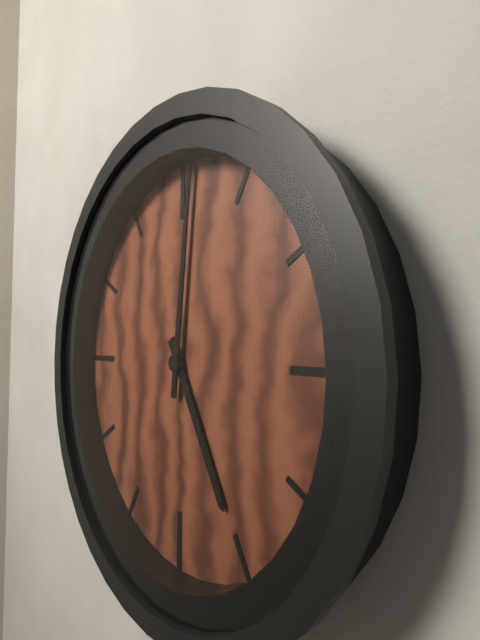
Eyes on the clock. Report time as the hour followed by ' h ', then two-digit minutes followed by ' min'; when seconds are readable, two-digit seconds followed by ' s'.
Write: 5 h 01 min
